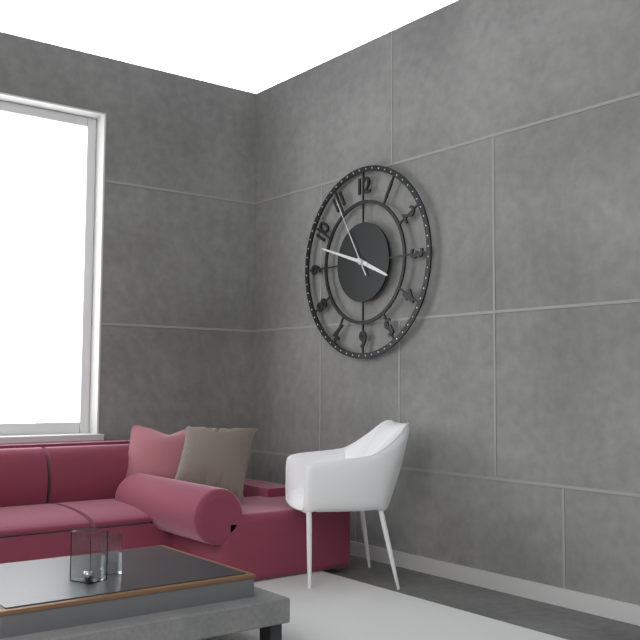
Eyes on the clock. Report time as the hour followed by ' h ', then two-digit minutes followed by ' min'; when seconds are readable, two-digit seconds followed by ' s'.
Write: 3 h 48 min 55 s
